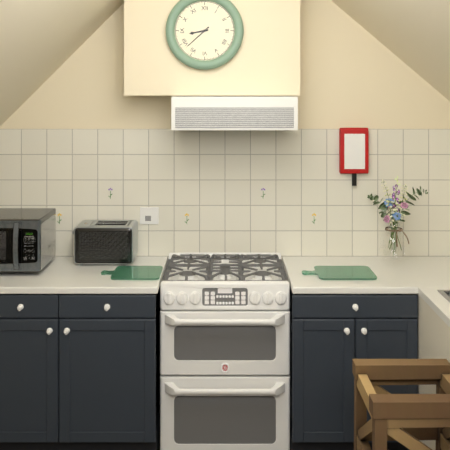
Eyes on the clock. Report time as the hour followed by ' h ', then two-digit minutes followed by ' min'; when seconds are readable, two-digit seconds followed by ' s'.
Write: 8 h 38 min
